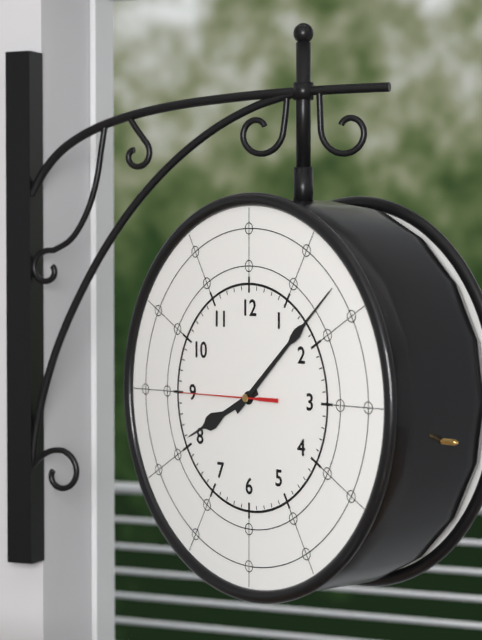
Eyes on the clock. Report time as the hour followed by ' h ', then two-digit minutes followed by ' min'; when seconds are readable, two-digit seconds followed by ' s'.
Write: 8 h 08 min 45 s
